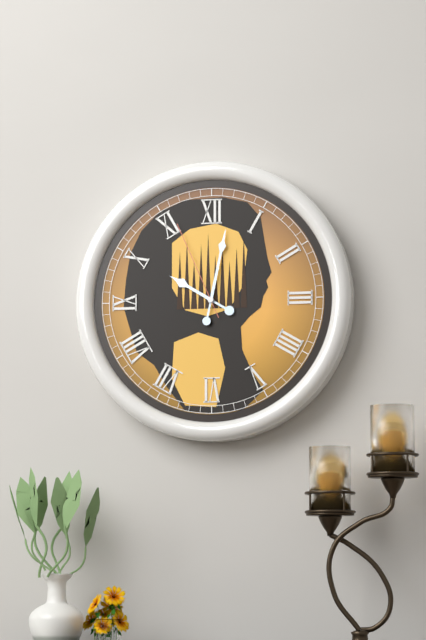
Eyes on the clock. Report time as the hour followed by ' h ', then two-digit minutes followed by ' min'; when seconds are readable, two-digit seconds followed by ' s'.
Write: 10 h 02 min 56 s
